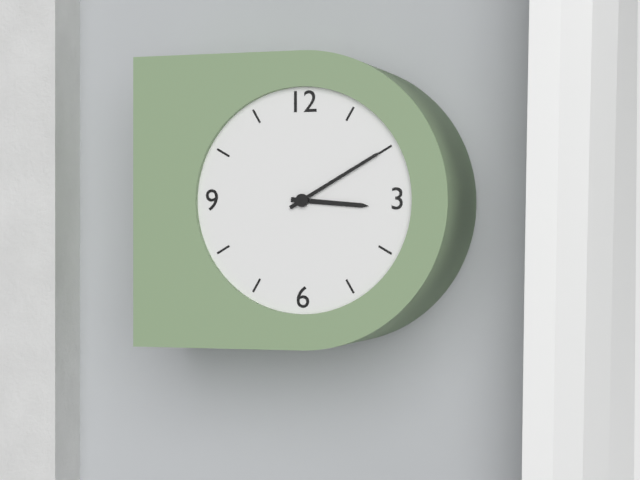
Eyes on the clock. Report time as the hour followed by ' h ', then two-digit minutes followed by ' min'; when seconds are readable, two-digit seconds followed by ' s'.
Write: 3 h 10 min
